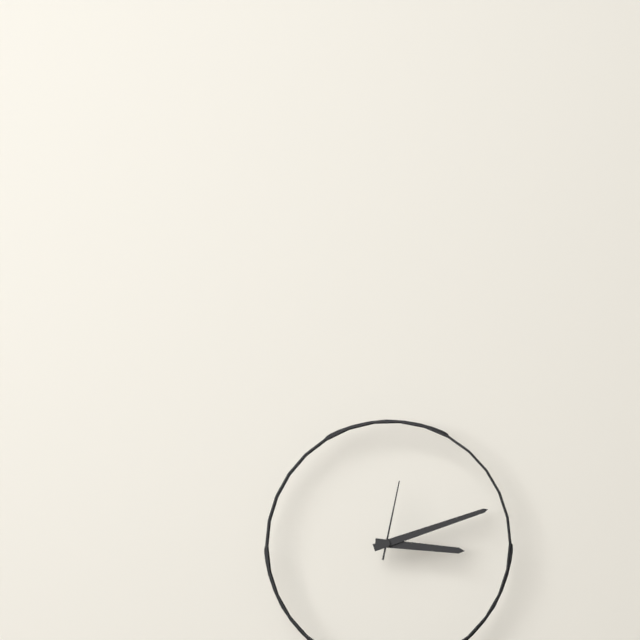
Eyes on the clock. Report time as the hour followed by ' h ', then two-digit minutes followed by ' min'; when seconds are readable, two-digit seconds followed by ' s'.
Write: 3 h 12 min 02 s
